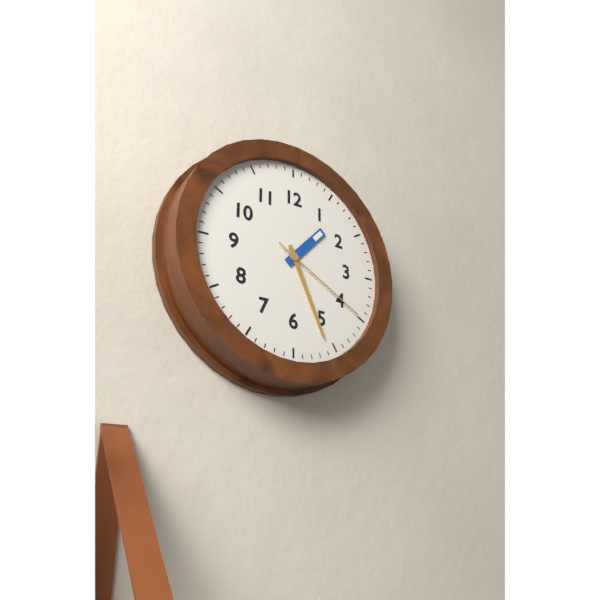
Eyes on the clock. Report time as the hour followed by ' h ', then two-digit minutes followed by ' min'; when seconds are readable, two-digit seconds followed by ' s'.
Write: 1 h 26 min 20 s
